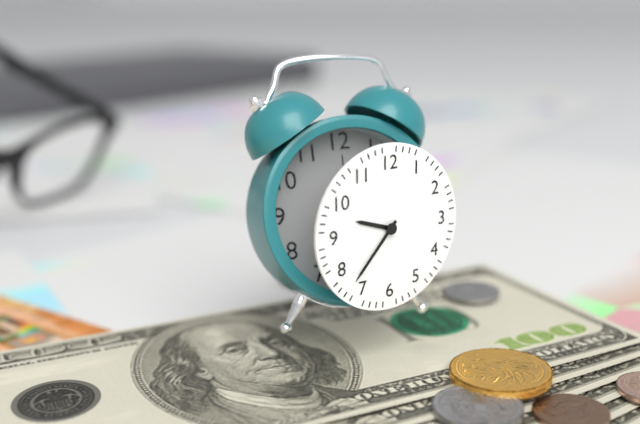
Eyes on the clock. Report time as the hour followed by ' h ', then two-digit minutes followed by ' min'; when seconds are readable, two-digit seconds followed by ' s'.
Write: 9 h 37 min
